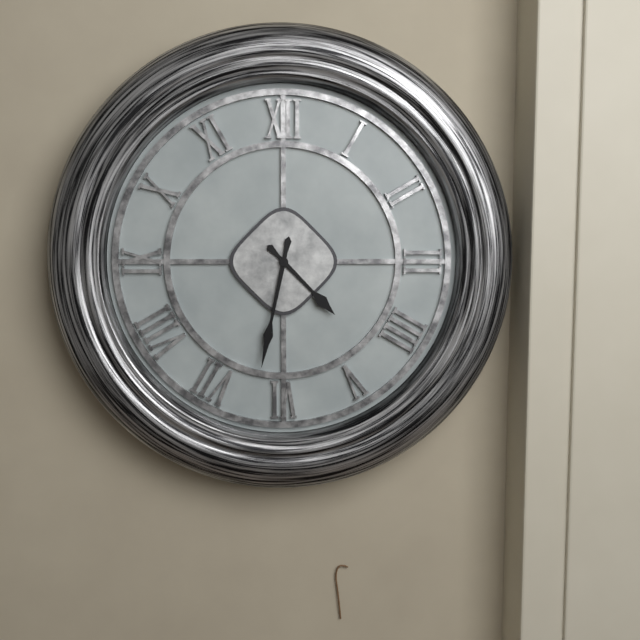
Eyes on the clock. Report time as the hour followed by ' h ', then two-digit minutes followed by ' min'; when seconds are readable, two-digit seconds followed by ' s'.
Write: 4 h 32 min
